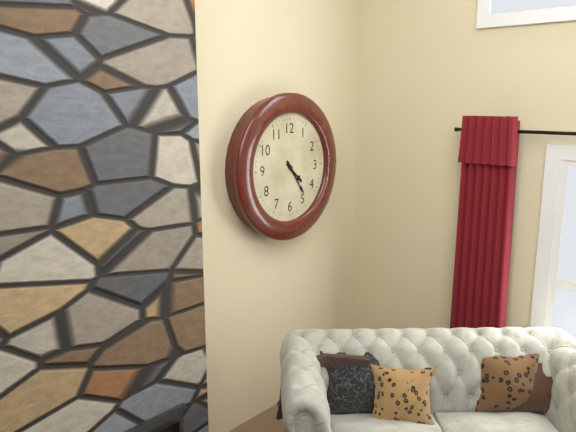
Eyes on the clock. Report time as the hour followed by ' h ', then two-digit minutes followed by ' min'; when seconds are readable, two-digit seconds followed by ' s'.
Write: 4 h 24 min
